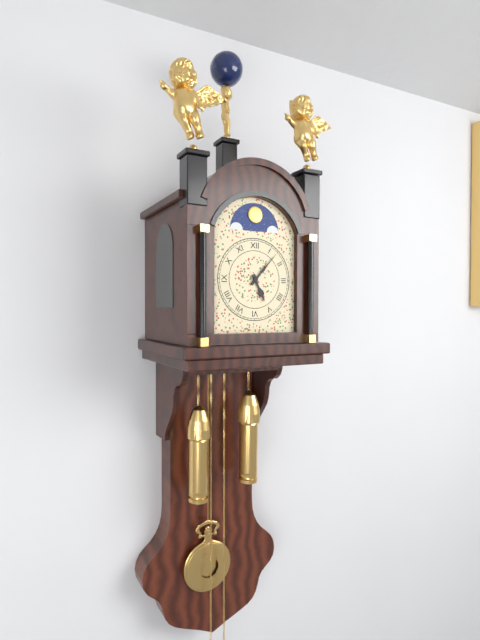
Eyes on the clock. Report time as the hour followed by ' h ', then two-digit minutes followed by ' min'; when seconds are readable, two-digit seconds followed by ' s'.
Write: 5 h 07 min
